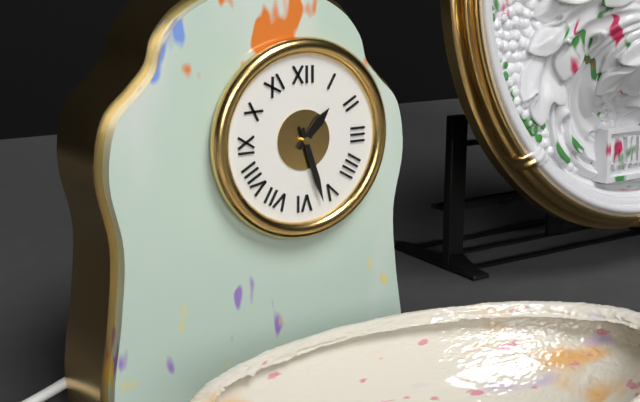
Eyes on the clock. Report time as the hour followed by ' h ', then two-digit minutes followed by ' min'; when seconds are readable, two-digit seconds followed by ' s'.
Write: 1 h 27 min
